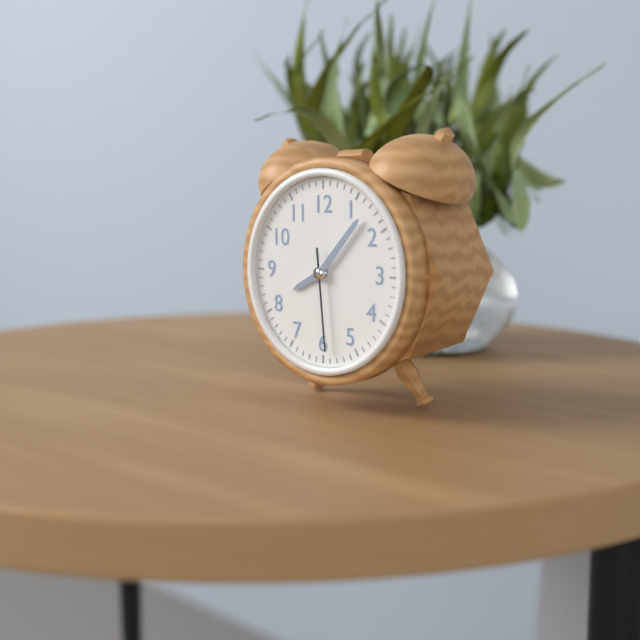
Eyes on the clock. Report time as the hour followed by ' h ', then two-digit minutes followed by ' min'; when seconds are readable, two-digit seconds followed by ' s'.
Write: 8 h 07 min 29 s
